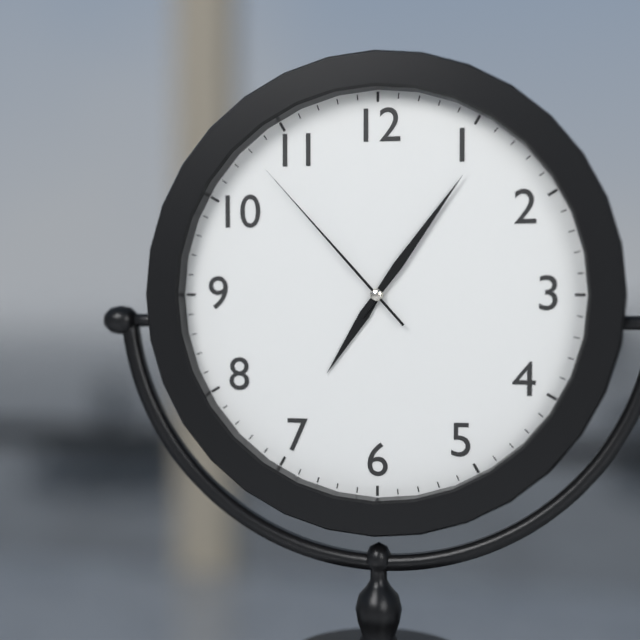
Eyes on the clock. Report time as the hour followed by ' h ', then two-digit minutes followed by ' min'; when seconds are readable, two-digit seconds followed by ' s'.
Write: 7 h 06 min 53 s
